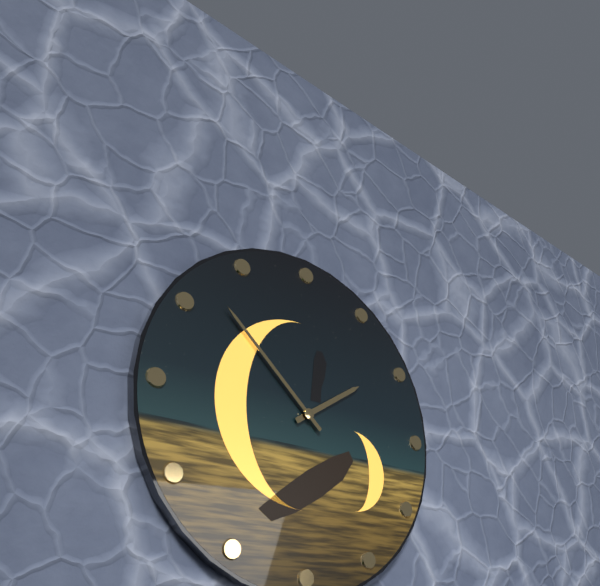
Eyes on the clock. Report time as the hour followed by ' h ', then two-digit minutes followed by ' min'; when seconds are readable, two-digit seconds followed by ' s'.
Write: 1 h 52 min
